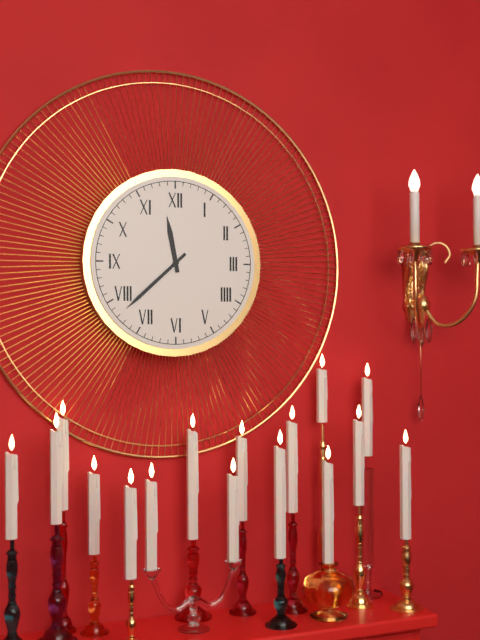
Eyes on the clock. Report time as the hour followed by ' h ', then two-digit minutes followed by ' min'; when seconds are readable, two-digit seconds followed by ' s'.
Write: 11 h 38 min
